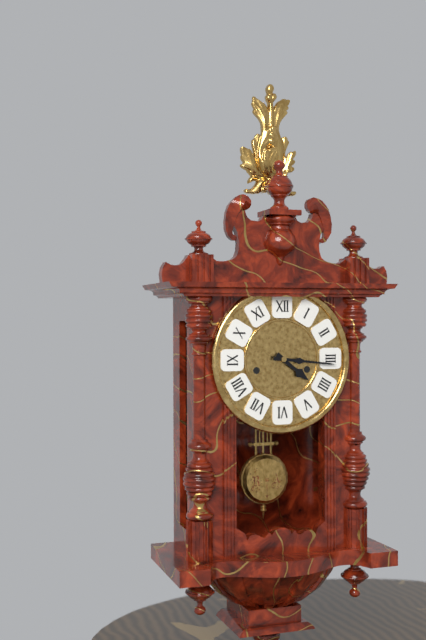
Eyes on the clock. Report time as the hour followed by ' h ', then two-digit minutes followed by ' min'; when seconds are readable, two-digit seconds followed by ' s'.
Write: 4 h 16 min
